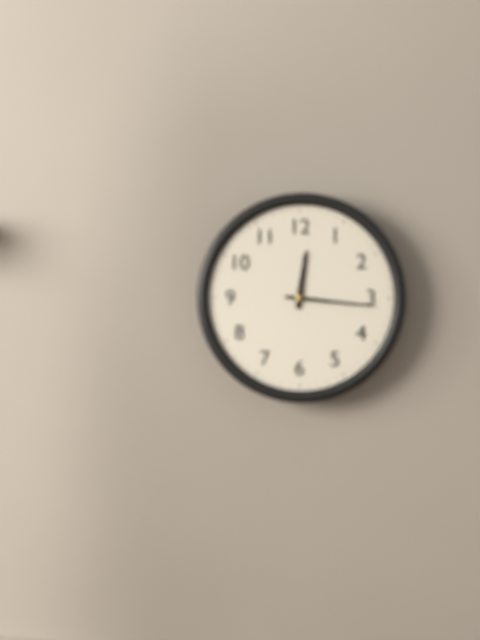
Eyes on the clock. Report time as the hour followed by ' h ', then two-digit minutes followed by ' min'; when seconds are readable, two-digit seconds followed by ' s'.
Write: 12 h 16 min
